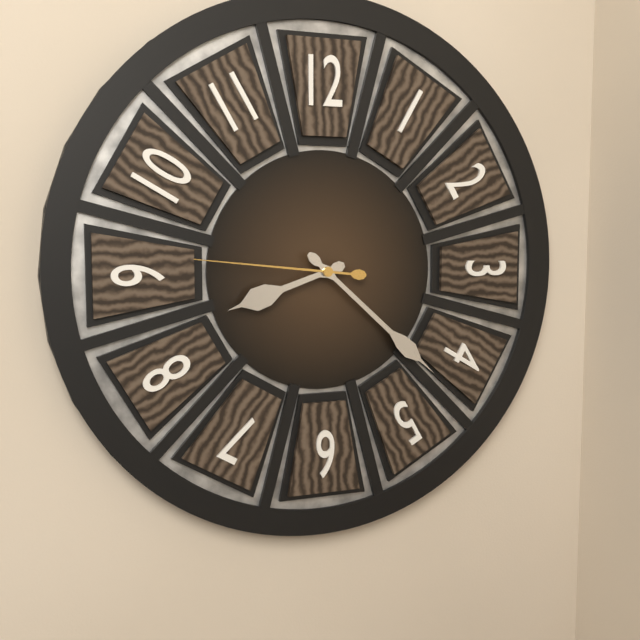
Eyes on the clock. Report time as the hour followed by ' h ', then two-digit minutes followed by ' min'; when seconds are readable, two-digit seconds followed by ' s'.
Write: 8 h 22 min 46 s
